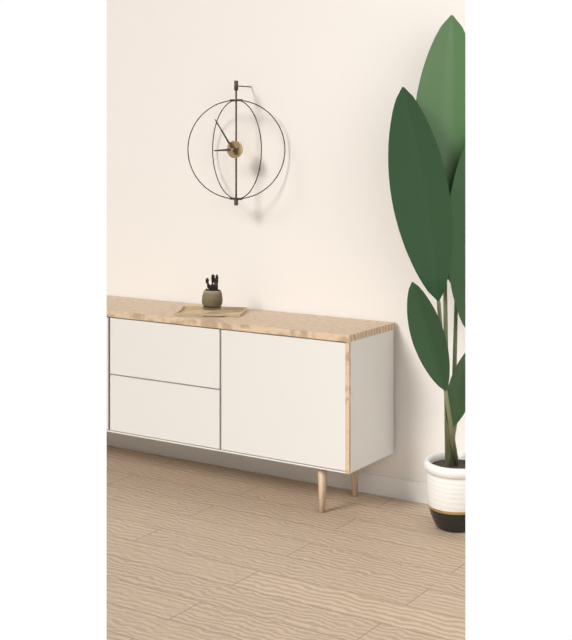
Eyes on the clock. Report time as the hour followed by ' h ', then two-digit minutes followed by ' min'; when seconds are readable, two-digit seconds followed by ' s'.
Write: 8 h 54 min
